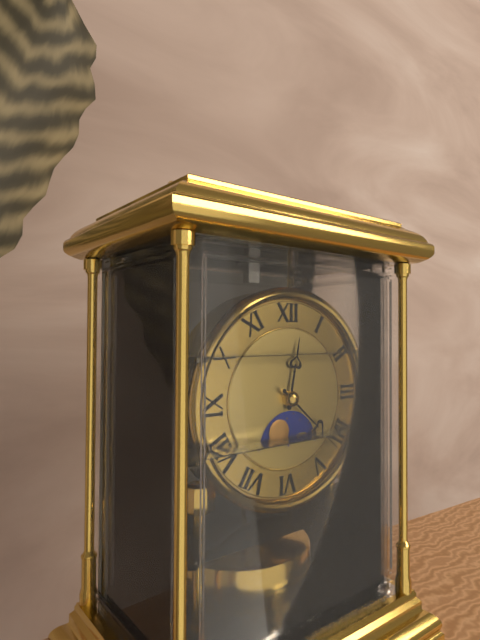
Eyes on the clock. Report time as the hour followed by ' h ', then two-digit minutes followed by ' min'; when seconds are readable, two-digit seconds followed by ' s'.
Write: 12 h 22 min
